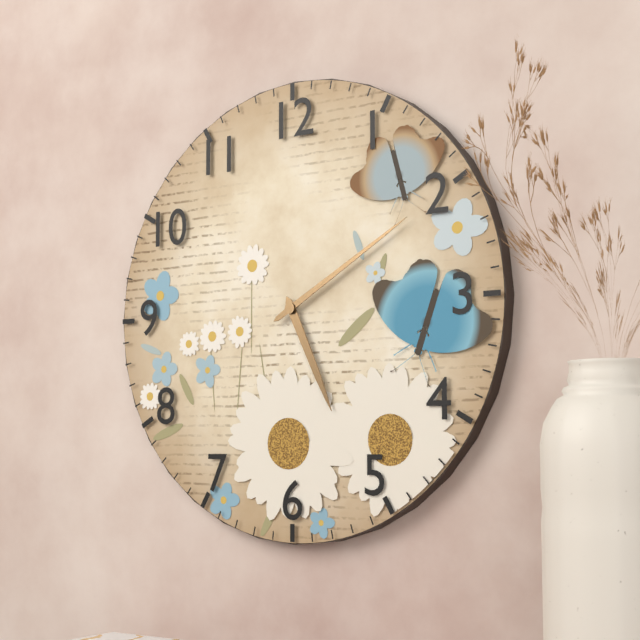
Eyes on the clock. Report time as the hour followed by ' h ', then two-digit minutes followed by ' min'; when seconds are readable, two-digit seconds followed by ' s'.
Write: 5 h 10 min
